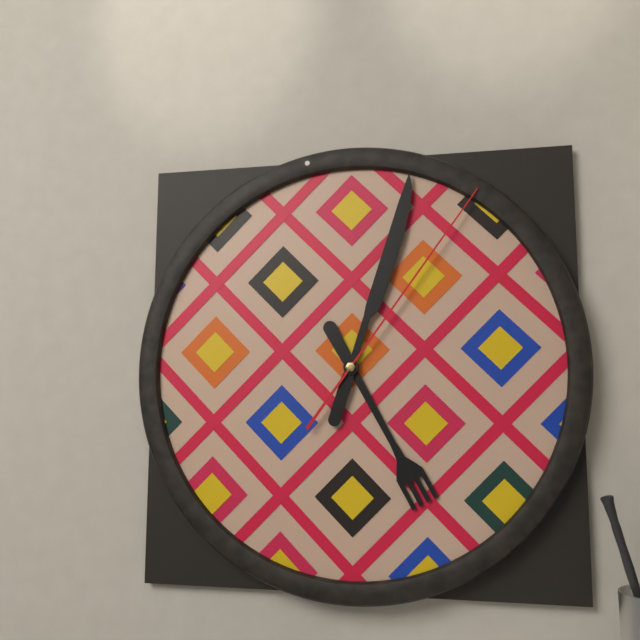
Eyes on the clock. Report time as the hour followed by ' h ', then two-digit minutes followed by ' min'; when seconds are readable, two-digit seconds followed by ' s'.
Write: 5 h 03 min 06 s
